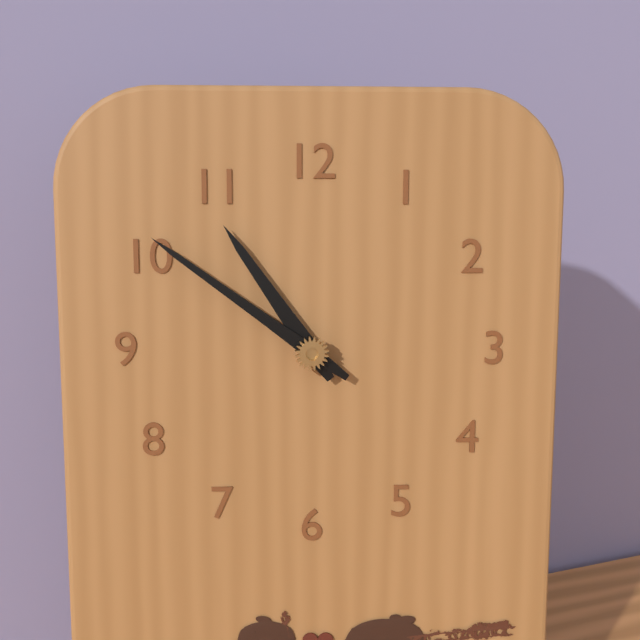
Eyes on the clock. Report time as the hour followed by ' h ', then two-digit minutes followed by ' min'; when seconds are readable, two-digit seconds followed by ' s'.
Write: 10 h 51 min
